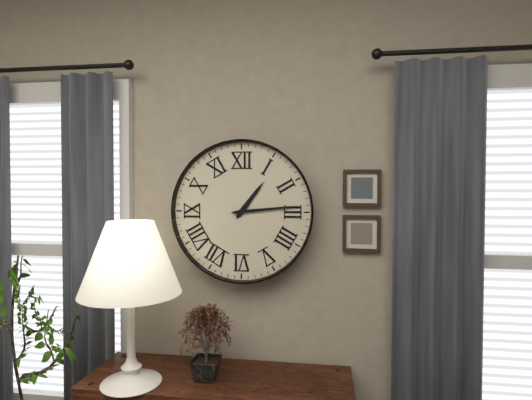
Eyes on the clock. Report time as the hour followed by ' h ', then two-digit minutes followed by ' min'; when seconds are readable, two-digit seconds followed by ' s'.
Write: 1 h 14 min
